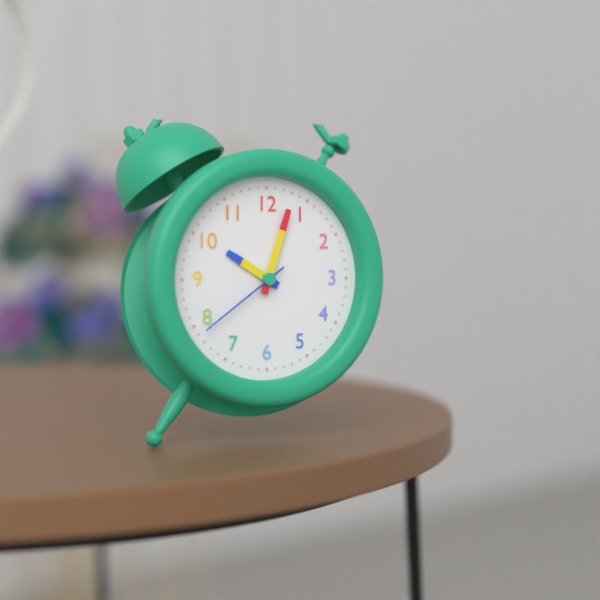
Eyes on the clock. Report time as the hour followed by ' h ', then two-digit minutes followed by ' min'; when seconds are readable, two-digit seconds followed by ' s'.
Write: 10 h 03 min 39 s
